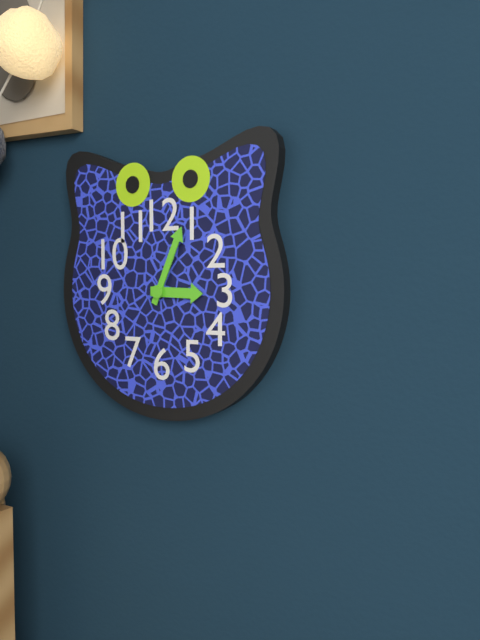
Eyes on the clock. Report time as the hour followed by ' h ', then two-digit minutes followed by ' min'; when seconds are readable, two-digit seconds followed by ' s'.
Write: 3 h 04 min
